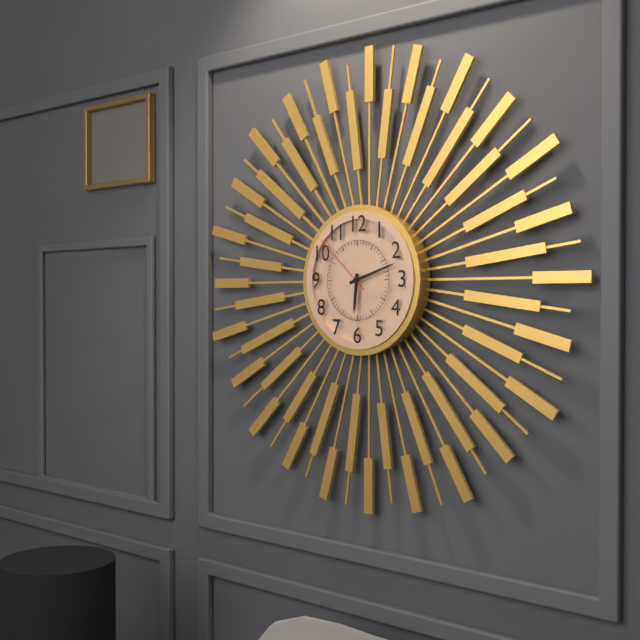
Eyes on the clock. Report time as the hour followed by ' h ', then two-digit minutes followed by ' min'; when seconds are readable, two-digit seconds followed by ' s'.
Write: 6 h 12 min 52 s
